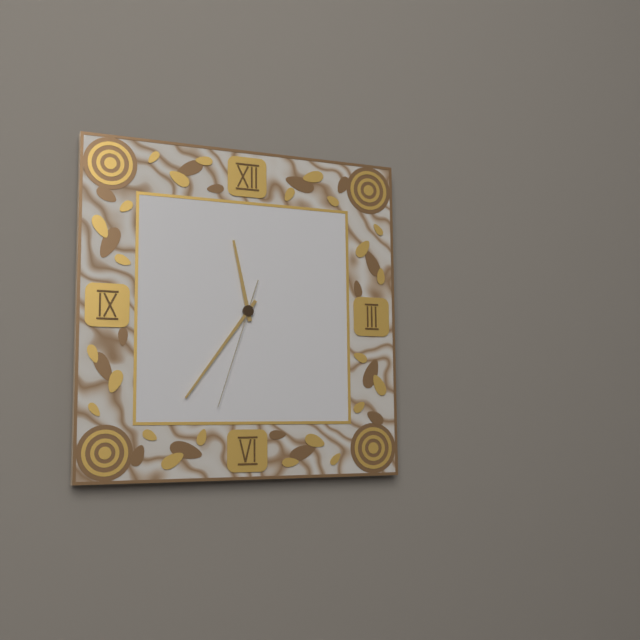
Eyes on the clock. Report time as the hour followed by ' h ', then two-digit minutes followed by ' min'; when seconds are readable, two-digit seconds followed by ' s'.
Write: 11 h 36 min 33 s
